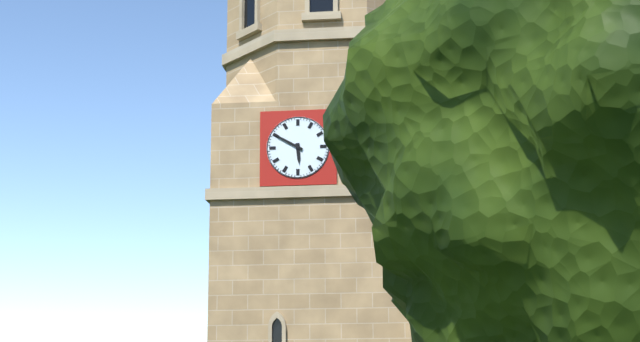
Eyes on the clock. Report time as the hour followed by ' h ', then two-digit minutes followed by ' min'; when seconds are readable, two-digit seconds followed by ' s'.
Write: 5 h 50 min
